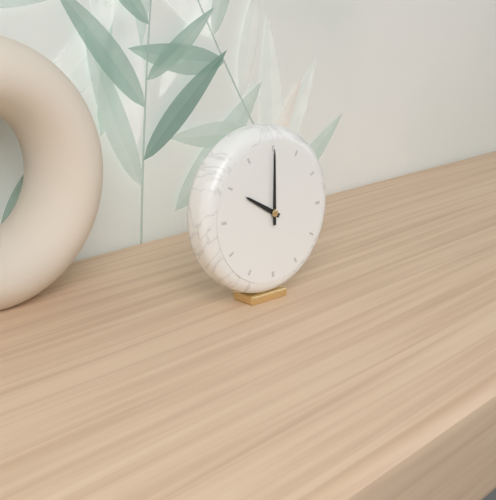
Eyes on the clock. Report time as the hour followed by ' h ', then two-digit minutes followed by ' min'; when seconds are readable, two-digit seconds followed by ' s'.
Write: 10 h 00 min
